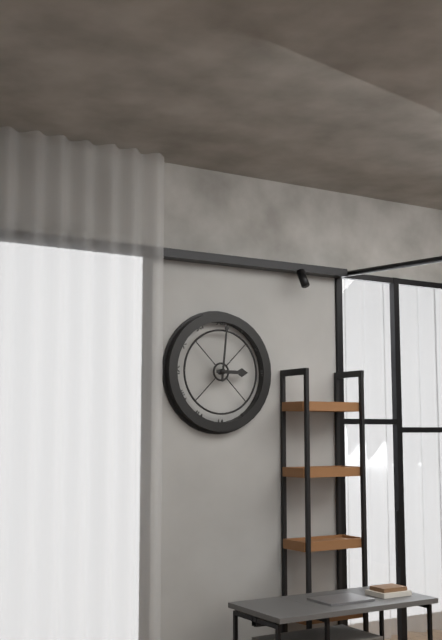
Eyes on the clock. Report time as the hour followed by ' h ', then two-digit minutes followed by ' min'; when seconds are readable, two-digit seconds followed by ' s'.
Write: 3 h 01 min
